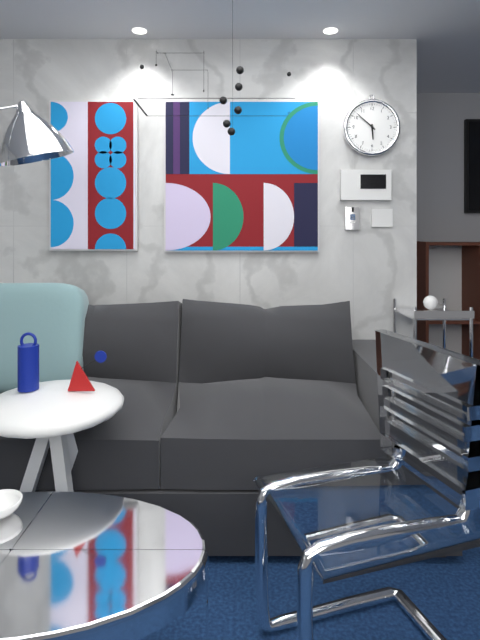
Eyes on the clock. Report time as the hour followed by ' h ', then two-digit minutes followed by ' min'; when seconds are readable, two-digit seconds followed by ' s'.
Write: 5 h 52 min
